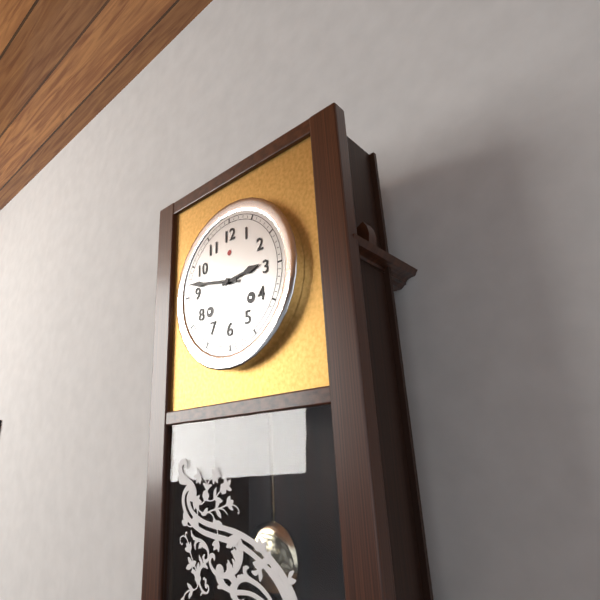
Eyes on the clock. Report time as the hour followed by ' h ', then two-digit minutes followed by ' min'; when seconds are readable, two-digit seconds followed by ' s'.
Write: 2 h 47 min
